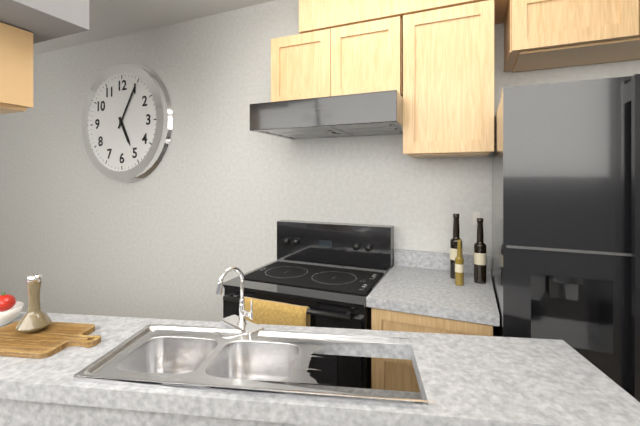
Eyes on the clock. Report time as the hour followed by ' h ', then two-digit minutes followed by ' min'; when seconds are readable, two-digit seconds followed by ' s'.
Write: 5 h 05 min
